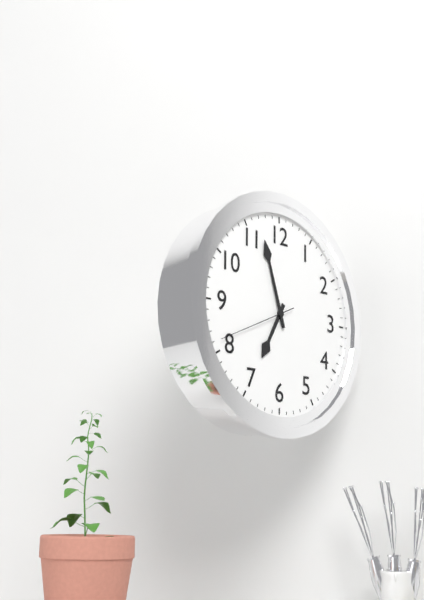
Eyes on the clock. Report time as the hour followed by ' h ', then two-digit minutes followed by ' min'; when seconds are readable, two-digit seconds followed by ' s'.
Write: 6 h 57 min 41 s
